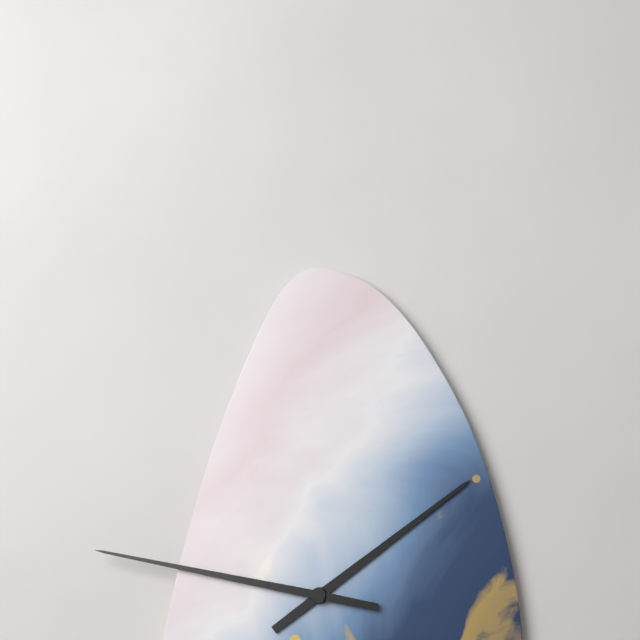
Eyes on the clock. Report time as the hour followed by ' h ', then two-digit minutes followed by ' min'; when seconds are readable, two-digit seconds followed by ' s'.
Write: 1 h 47 min
